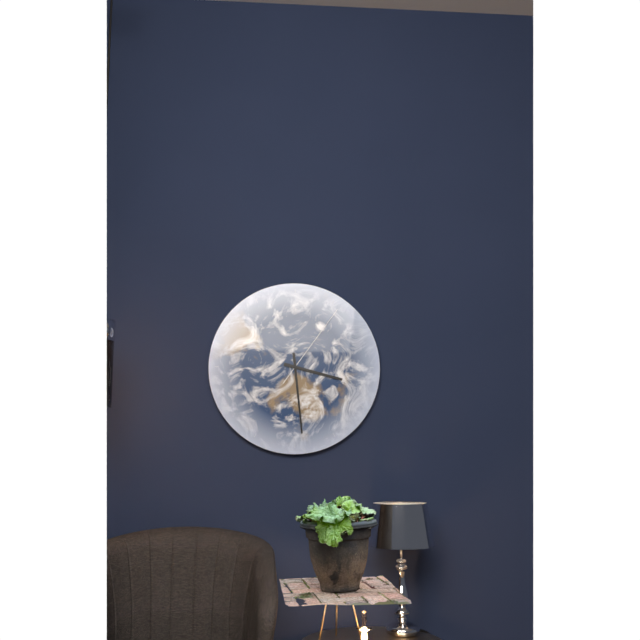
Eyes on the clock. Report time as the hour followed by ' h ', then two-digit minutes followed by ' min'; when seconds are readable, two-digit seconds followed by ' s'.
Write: 3 h 29 min 06 s
